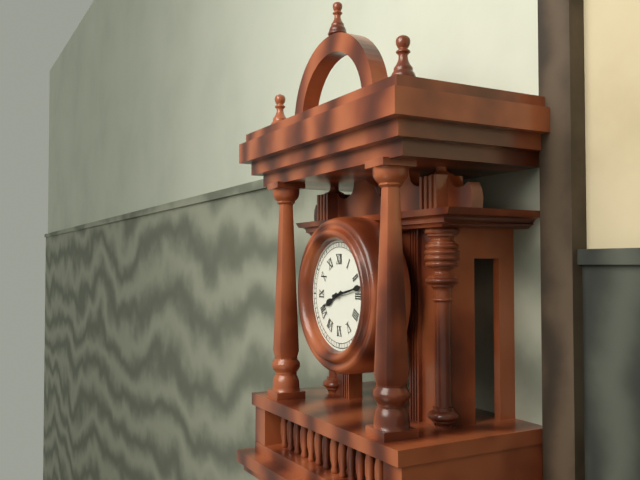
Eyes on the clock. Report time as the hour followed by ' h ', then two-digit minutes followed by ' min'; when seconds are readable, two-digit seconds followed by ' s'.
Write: 8 h 13 min
